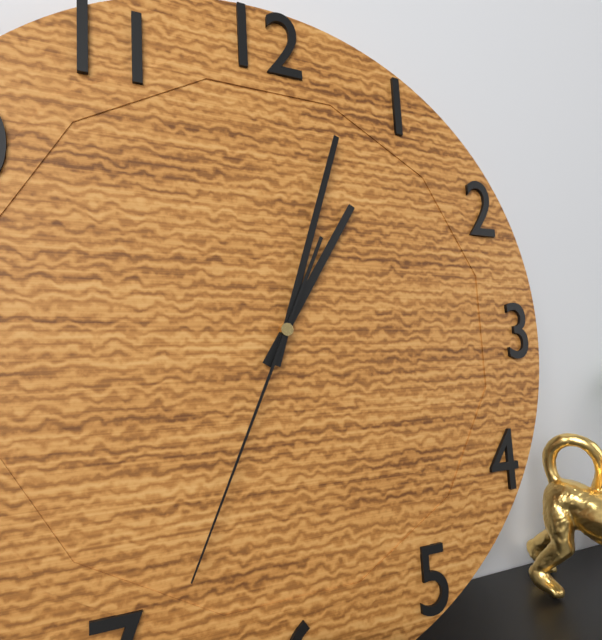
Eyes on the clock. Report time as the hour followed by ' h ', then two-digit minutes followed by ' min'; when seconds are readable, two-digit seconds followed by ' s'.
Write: 1 h 03 min 34 s
